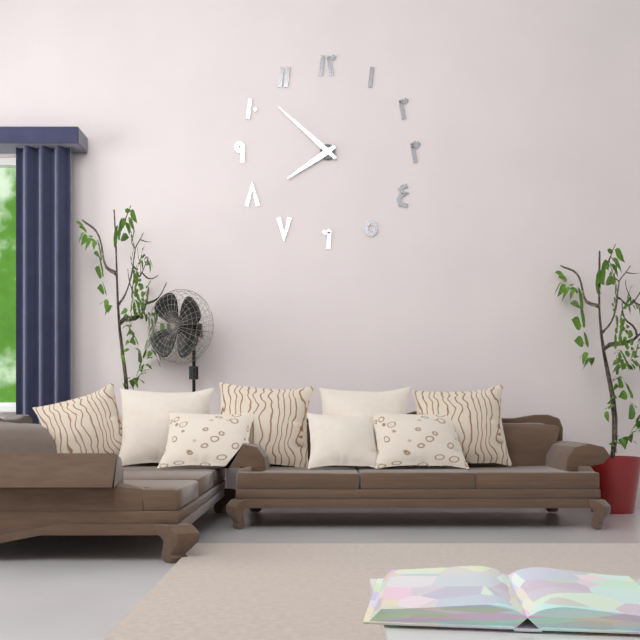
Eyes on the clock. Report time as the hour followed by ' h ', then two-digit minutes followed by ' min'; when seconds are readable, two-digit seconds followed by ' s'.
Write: 7 h 52 min
